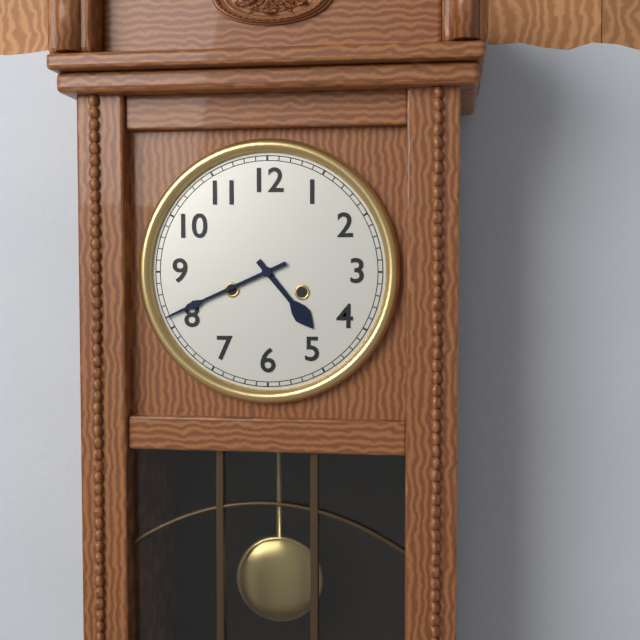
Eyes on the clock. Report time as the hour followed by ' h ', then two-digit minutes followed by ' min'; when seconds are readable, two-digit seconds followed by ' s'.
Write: 4 h 41 min
